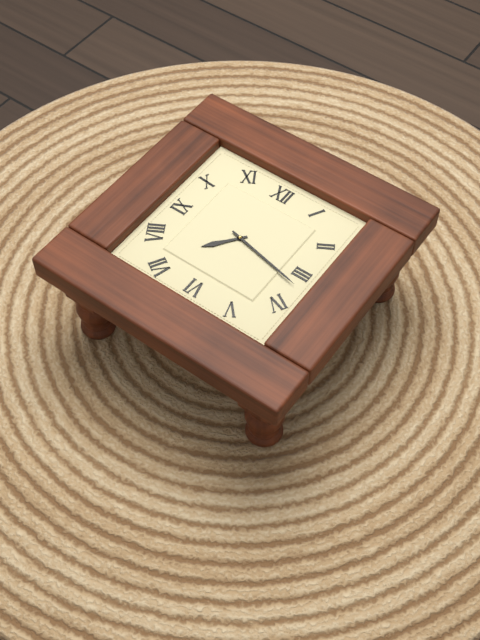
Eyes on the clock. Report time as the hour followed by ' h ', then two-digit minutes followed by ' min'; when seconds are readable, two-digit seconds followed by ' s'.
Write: 7 h 17 min
